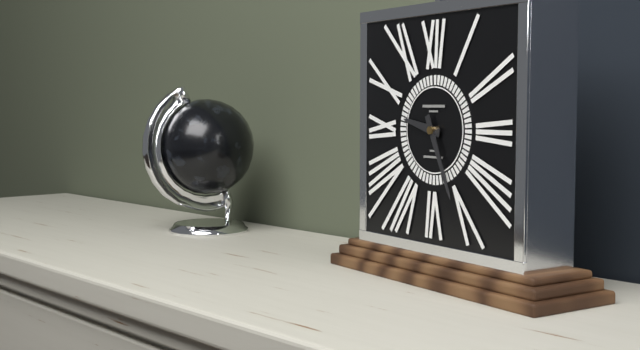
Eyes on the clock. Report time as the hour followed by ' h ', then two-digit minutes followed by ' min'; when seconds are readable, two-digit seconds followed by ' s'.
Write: 9 h 26 min
